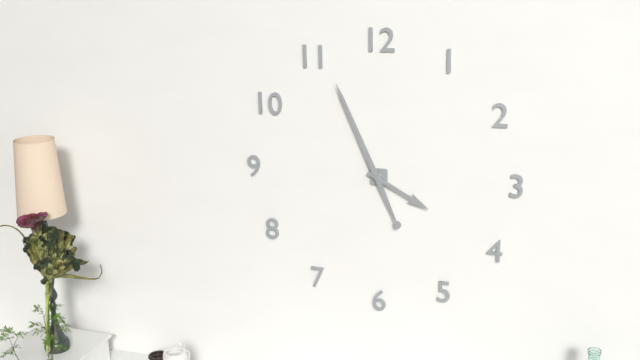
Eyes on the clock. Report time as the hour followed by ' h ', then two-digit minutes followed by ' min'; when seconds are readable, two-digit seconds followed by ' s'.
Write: 3 h 56 min
